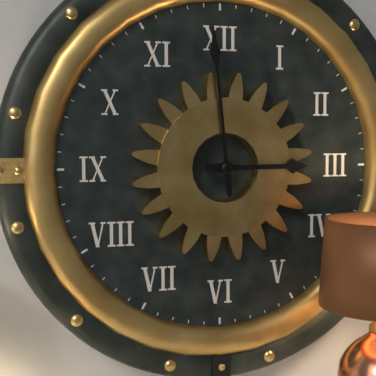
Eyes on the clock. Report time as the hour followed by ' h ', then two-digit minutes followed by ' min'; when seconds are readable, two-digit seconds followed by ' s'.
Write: 2 h 59 min
